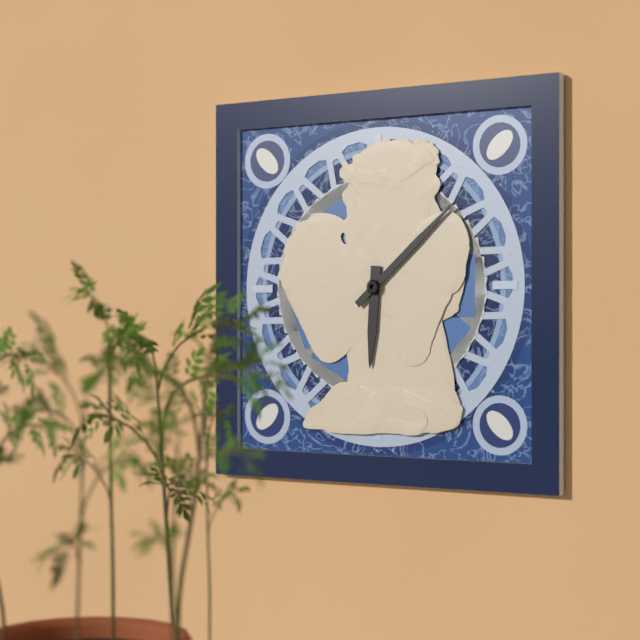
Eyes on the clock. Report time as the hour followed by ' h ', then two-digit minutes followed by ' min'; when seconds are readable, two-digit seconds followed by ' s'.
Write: 6 h 08 min
